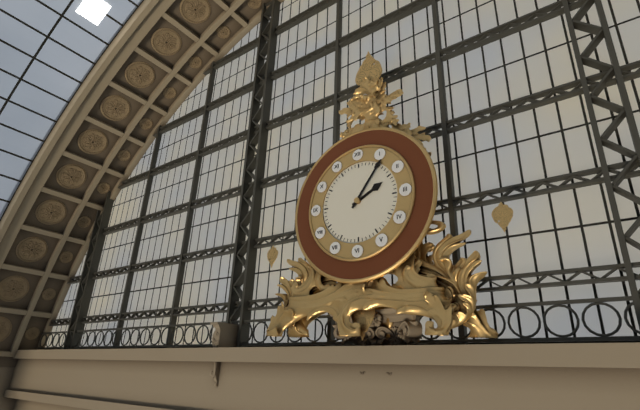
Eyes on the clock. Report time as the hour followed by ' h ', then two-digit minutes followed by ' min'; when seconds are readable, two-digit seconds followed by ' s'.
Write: 2 h 06 min
